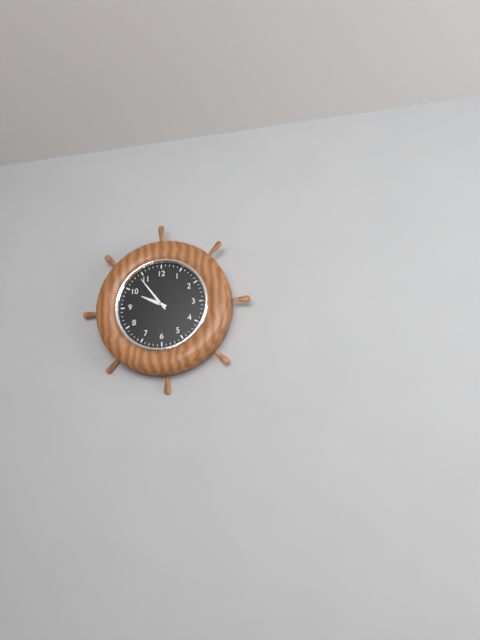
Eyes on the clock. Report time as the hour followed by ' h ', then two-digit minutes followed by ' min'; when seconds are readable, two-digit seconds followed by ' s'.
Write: 9 h 54 min
